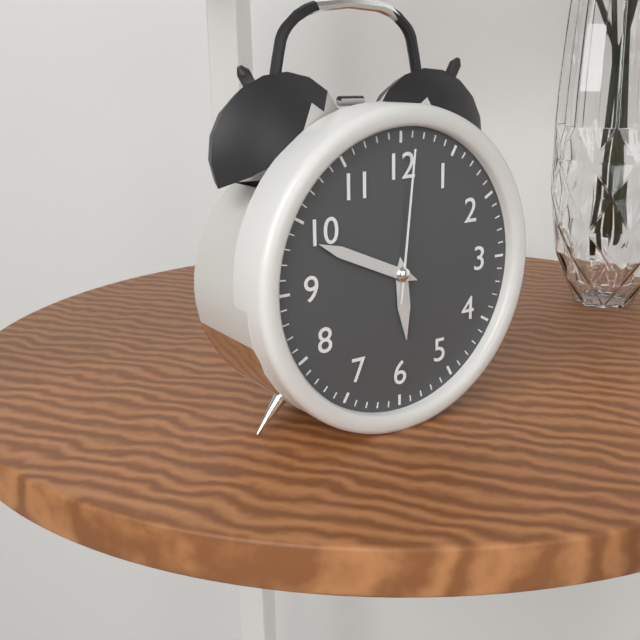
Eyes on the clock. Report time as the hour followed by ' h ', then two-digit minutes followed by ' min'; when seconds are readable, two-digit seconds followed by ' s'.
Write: 5 h 49 min 01 s
